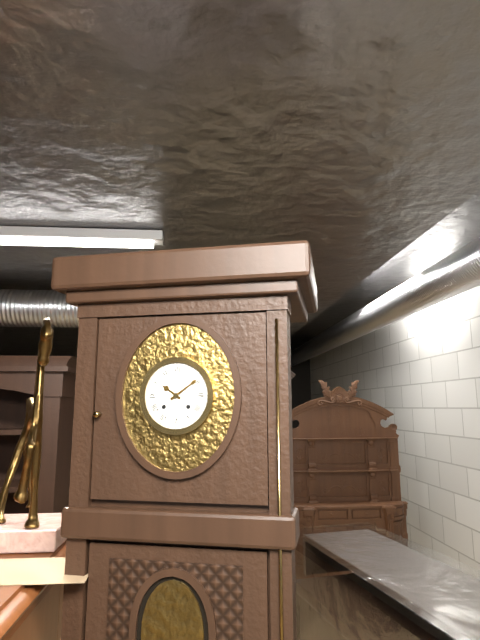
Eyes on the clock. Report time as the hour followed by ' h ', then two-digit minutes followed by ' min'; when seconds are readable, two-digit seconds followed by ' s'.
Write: 10 h 09 min
